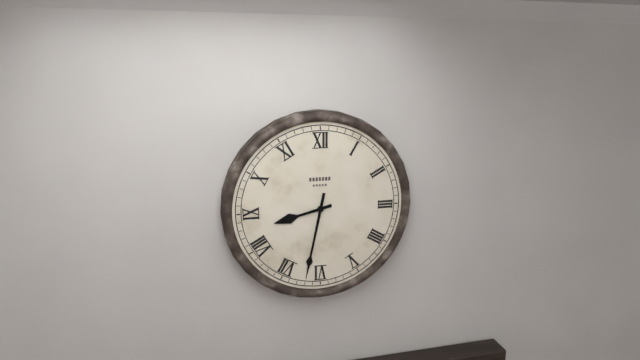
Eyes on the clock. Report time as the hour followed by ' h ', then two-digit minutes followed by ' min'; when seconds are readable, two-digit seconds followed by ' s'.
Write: 8 h 32 min
